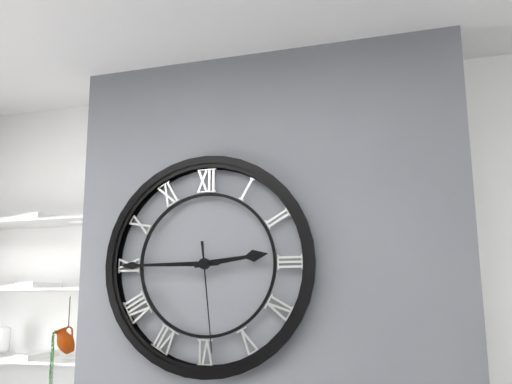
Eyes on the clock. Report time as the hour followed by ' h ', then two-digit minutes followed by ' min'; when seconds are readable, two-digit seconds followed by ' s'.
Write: 2 h 45 min 29 s
